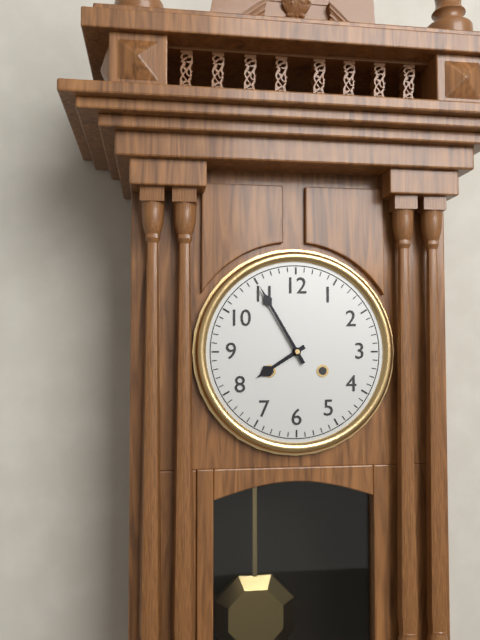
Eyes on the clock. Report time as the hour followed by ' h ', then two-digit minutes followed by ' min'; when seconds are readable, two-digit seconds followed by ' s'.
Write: 7 h 55 min
